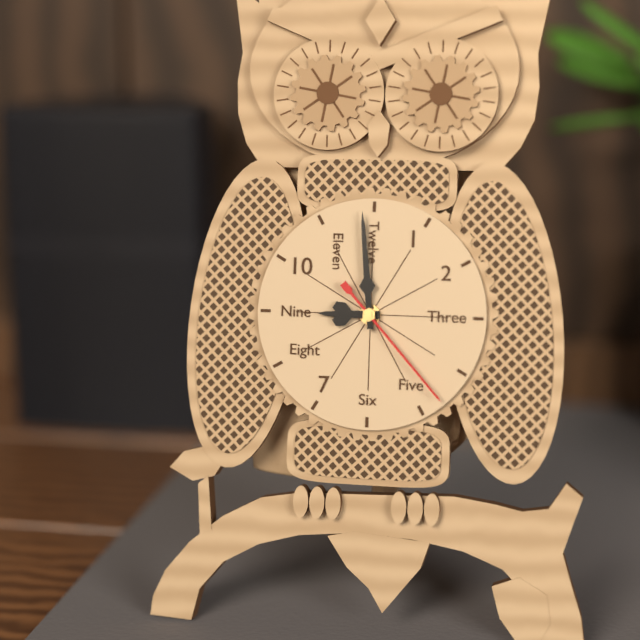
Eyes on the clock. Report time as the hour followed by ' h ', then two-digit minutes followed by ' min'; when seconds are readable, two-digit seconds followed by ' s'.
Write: 8 h 59 min 23 s
